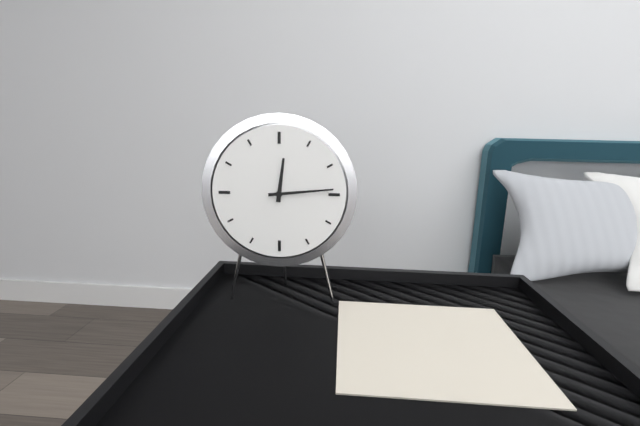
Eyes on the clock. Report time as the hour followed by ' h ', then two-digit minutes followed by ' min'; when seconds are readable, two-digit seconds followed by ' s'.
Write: 12 h 14 min
